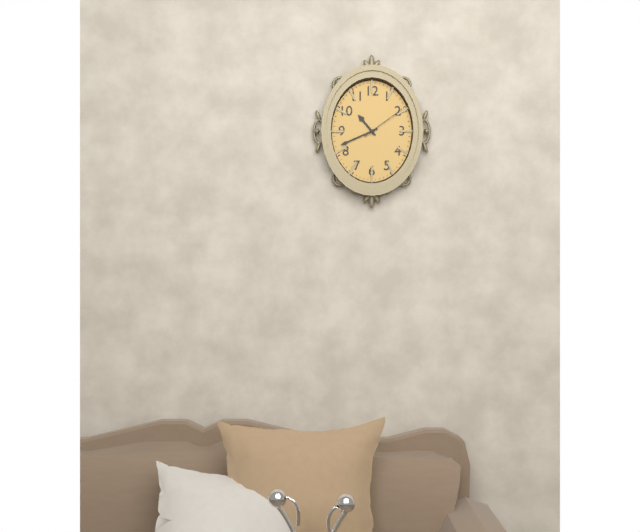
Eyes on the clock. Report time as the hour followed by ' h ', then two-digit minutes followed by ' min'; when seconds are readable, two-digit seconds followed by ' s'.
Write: 10 h 41 min
